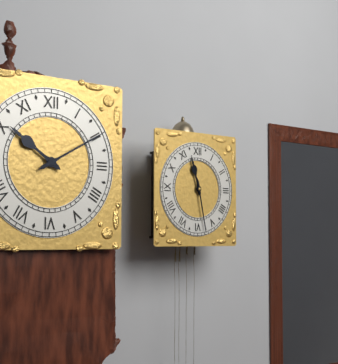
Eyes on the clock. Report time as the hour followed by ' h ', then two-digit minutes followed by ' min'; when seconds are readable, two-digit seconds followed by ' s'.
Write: 11 h 28 min
